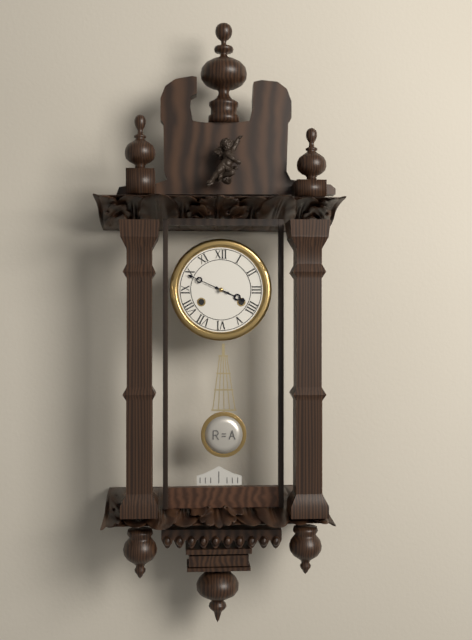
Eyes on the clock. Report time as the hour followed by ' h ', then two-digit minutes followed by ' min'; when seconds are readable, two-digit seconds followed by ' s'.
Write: 3 h 49 min
